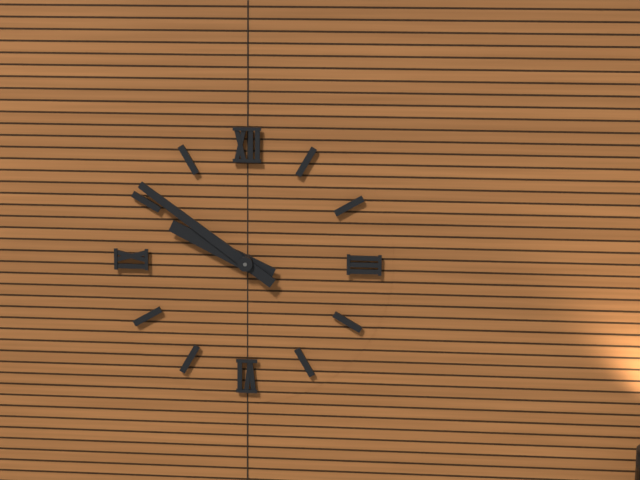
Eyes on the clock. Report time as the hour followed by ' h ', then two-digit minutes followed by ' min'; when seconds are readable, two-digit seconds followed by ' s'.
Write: 9 h 51 min
